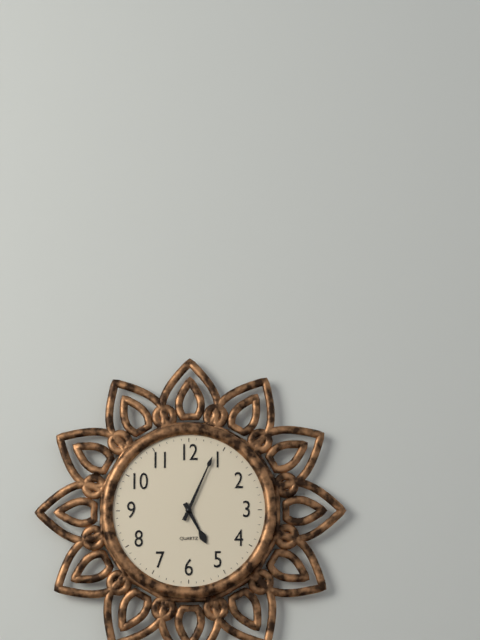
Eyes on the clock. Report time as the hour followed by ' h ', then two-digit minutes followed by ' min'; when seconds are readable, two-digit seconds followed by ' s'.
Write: 5 h 04 min
